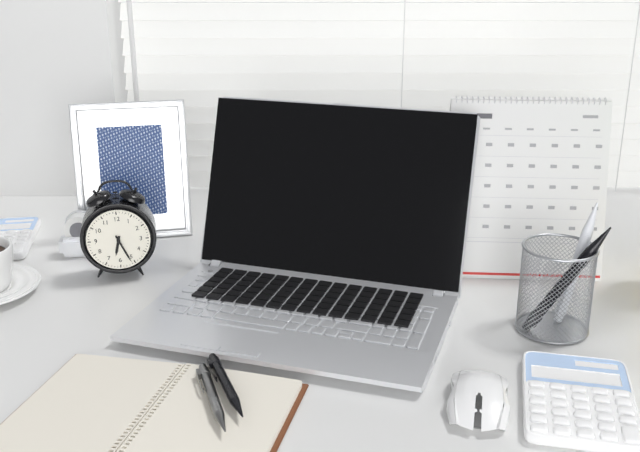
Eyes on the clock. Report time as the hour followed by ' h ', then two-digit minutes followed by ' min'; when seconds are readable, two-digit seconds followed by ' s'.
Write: 6 h 26 min
